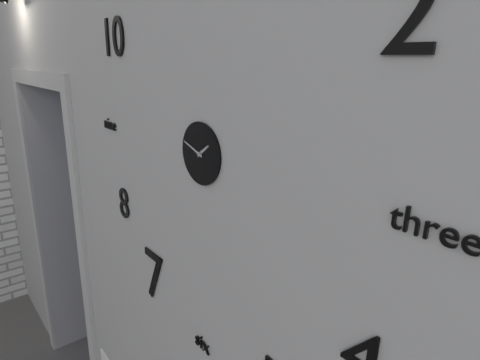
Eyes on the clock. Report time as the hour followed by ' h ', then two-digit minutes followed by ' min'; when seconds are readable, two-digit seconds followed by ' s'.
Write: 1 h 48 min
